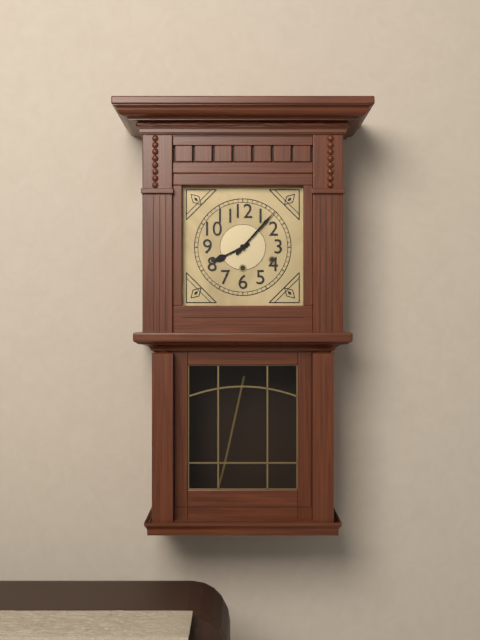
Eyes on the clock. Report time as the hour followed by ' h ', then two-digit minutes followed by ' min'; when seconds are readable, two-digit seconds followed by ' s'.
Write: 8 h 07 min
